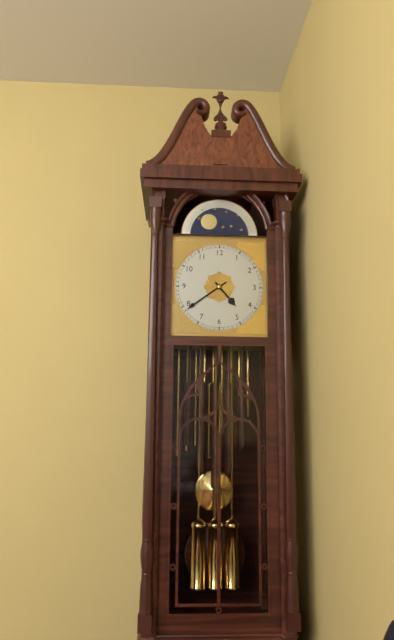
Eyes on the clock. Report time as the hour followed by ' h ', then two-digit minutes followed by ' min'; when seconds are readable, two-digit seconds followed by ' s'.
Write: 4 h 39 min
